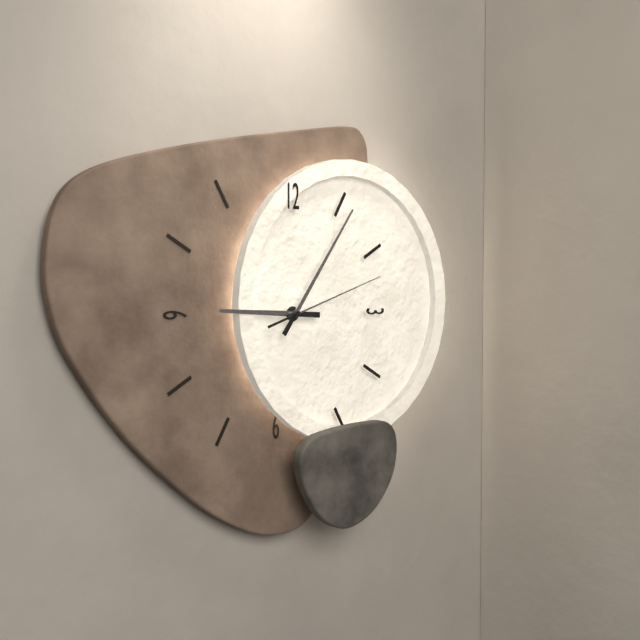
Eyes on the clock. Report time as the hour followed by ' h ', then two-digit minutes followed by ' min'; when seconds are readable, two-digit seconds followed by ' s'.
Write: 9 h 06 min 12 s
